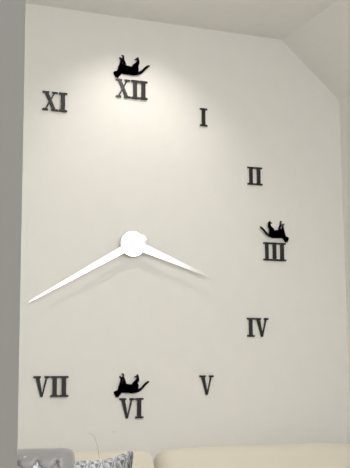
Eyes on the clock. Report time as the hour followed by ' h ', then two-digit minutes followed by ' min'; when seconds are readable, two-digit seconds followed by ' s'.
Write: 3 h 40 min
